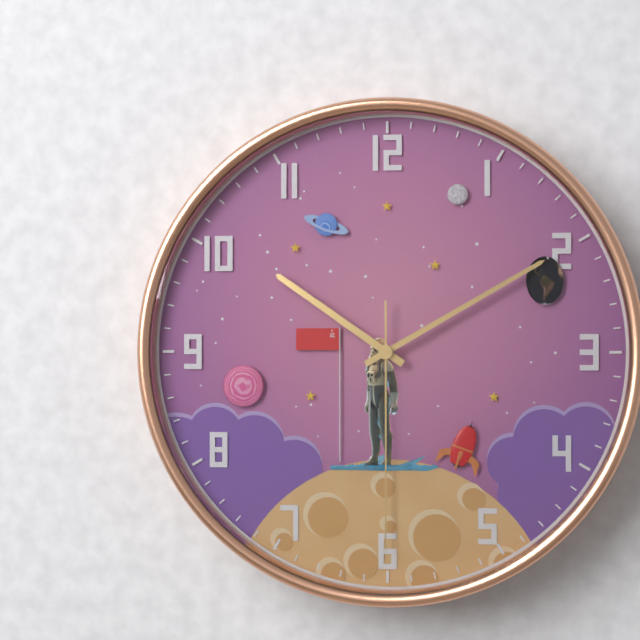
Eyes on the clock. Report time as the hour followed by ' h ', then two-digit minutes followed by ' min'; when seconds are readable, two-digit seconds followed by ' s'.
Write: 10 h 10 min 30 s
